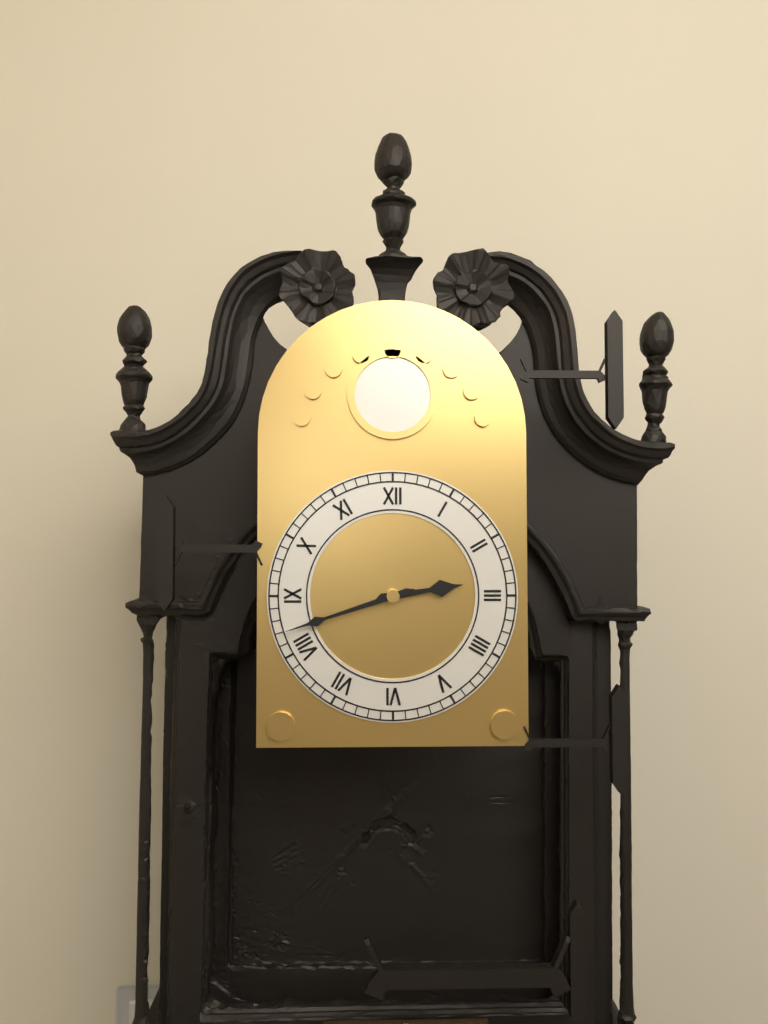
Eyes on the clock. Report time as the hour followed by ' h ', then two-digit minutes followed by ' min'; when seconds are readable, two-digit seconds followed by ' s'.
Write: 2 h 42 min
